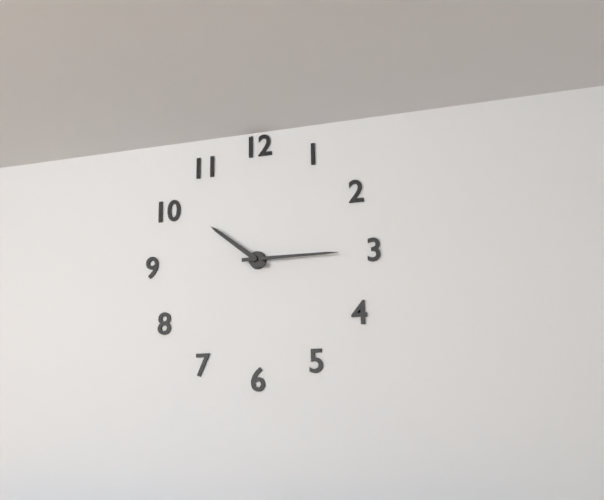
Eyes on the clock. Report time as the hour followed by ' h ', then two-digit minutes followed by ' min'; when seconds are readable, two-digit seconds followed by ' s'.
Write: 10 h 15 min
